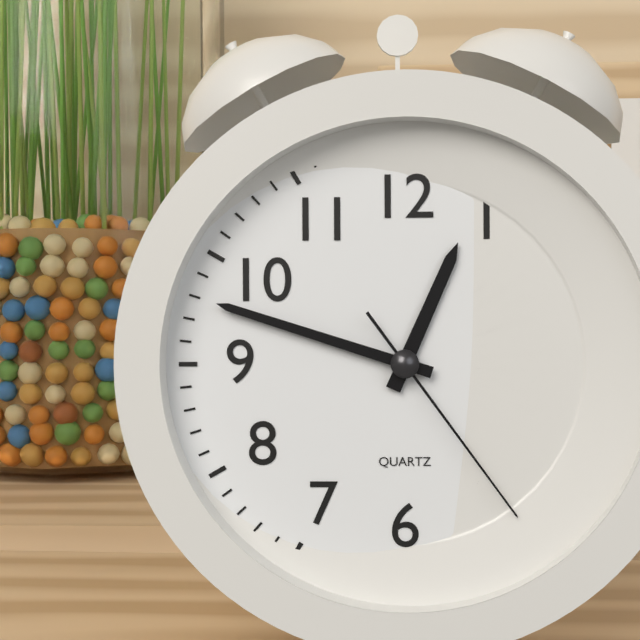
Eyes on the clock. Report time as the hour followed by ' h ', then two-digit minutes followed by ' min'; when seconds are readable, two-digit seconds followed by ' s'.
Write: 12 h 48 min 24 s
